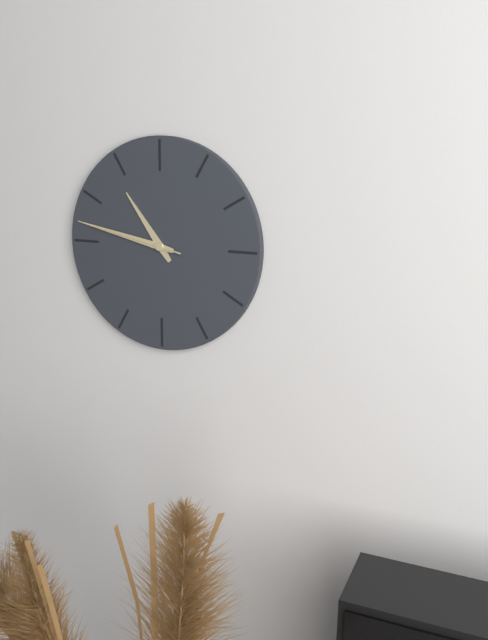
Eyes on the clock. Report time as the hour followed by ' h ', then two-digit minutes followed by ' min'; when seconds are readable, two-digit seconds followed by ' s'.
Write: 10 h 47 min 47 s
